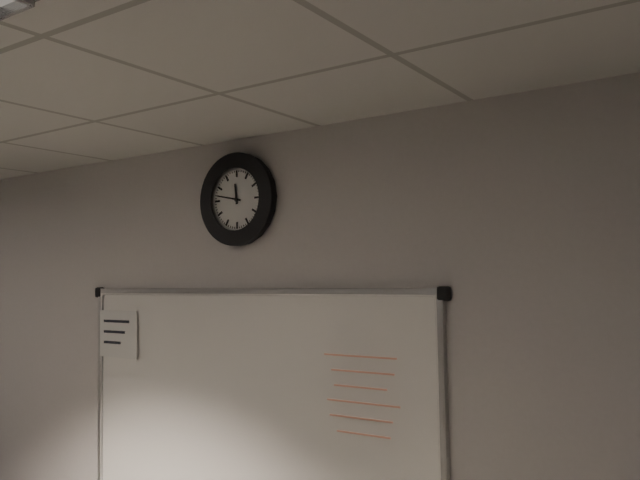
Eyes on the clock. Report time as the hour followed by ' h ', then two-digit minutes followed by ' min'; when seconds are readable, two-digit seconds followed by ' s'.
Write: 11 h 47 min
